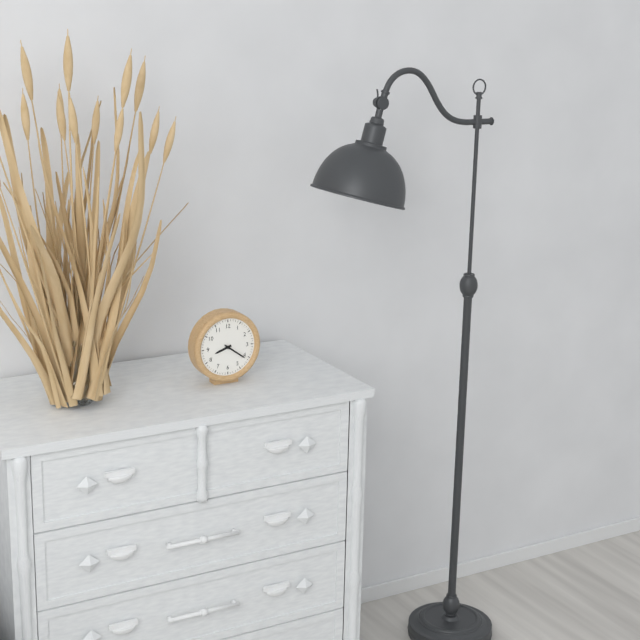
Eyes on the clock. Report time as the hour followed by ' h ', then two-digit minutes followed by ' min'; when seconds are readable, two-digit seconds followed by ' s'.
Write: 8 h 21 min
